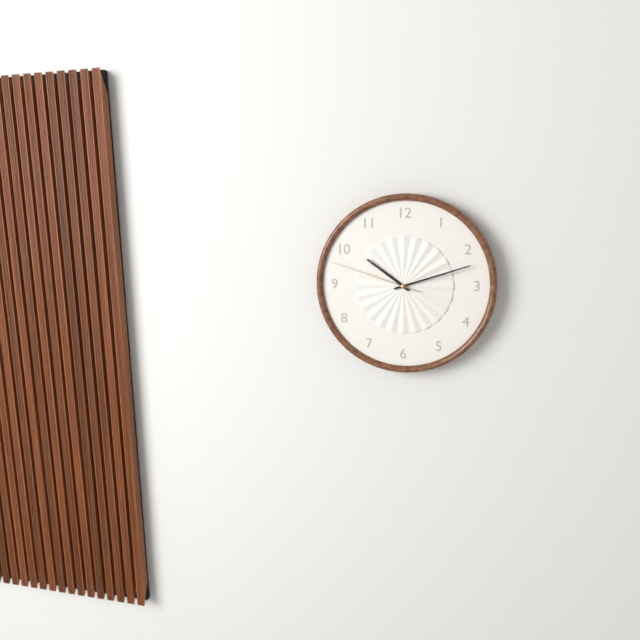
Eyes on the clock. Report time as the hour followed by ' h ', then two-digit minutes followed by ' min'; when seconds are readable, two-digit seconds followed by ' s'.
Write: 10 h 12 min 48 s
